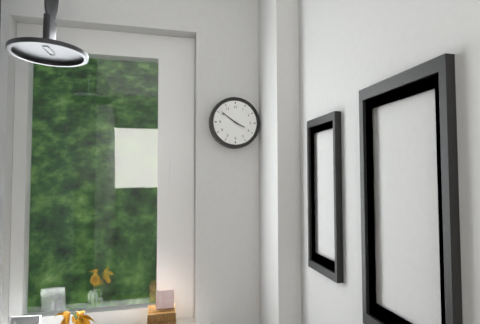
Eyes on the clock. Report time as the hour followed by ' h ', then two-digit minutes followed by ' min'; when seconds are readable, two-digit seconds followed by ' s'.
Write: 3 h 51 min
